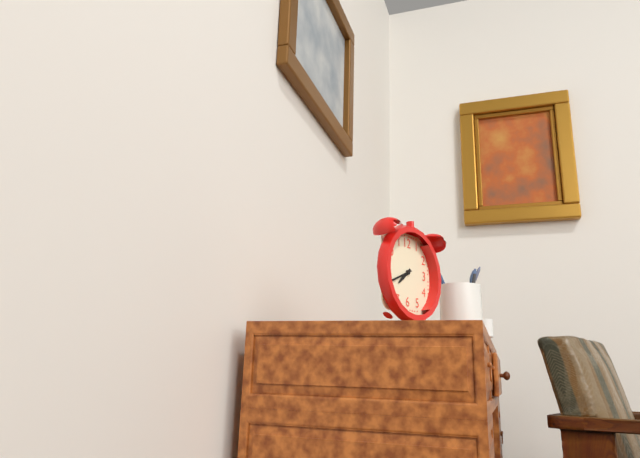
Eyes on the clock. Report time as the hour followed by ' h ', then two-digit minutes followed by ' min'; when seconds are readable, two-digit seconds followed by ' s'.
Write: 7 h 41 min
